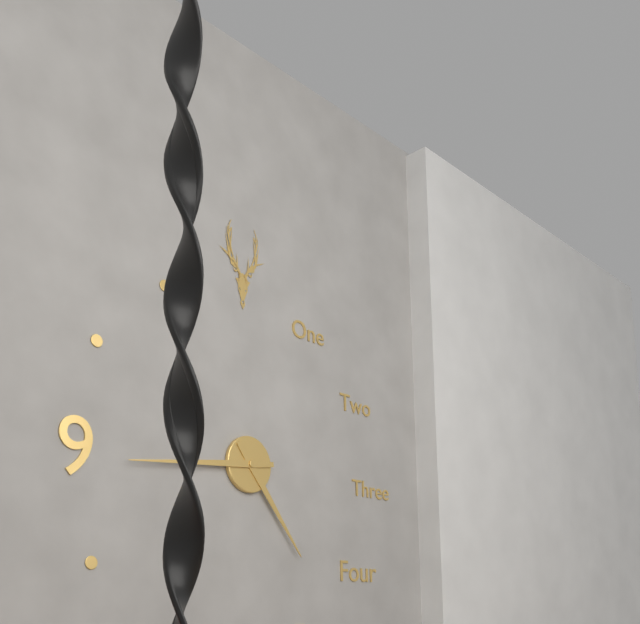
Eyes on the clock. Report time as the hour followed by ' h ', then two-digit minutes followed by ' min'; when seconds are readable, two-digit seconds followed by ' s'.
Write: 4 h 44 min
